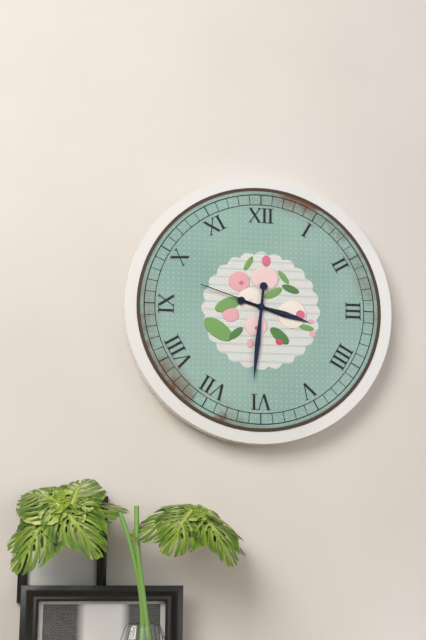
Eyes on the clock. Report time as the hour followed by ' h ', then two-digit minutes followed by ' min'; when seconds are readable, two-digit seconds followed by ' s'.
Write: 3 h 31 min 48 s
